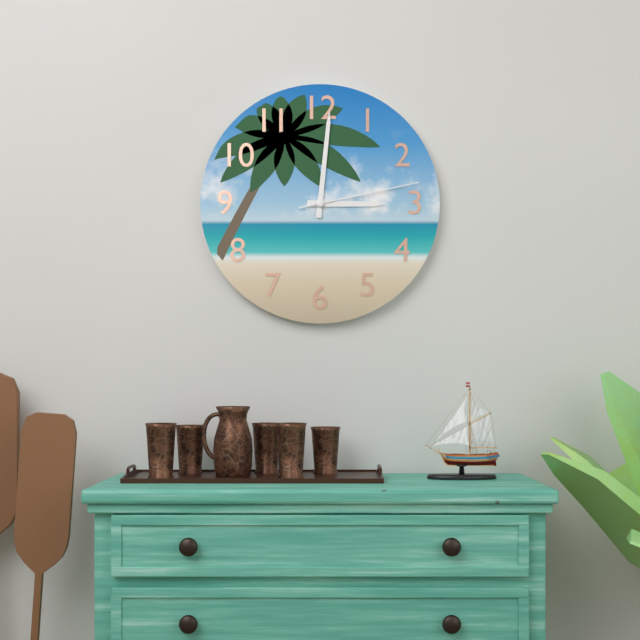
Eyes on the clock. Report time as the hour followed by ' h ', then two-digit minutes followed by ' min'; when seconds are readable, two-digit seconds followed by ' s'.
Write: 3 h 01 min 13 s
